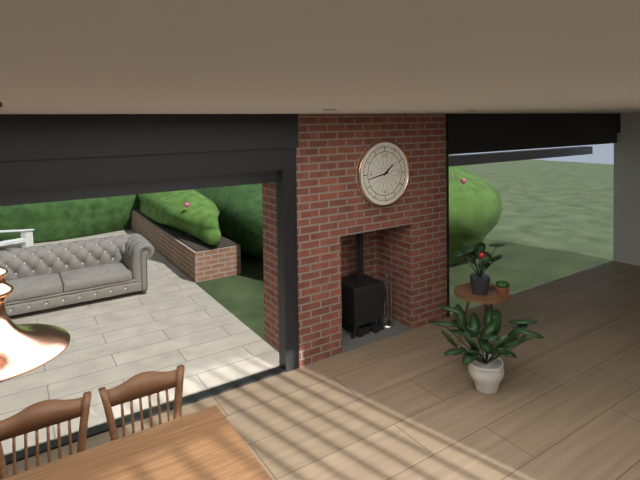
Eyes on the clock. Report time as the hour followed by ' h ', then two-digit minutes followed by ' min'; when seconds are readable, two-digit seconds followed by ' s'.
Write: 1 h 43 min
